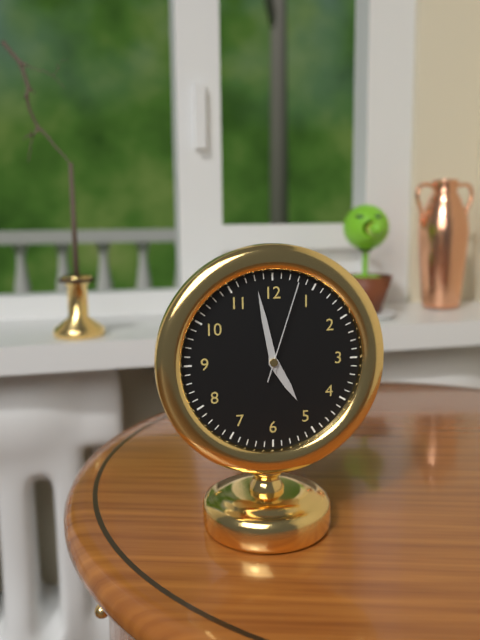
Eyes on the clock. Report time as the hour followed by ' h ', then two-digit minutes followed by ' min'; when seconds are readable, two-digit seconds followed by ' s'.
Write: 4 h 58 min 03 s
